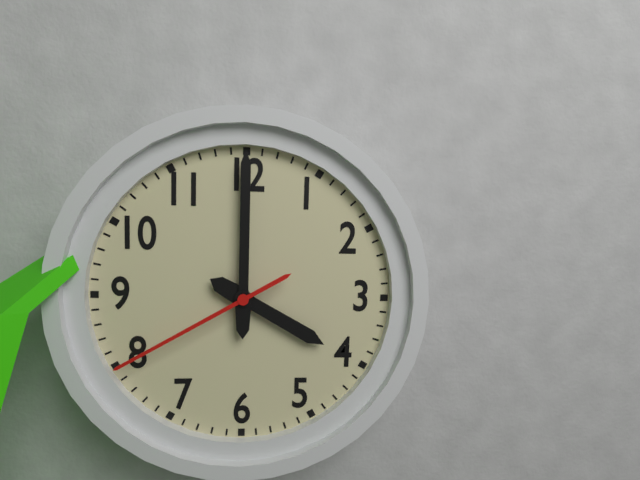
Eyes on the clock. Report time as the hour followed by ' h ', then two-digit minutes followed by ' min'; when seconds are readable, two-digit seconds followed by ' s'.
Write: 4 h 00 min 40 s
